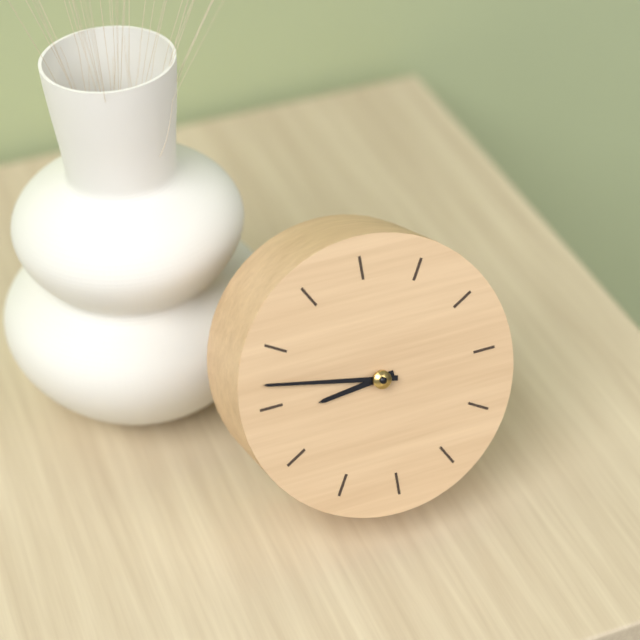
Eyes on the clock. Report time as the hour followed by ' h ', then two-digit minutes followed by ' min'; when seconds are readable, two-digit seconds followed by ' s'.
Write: 8 h 47 min
